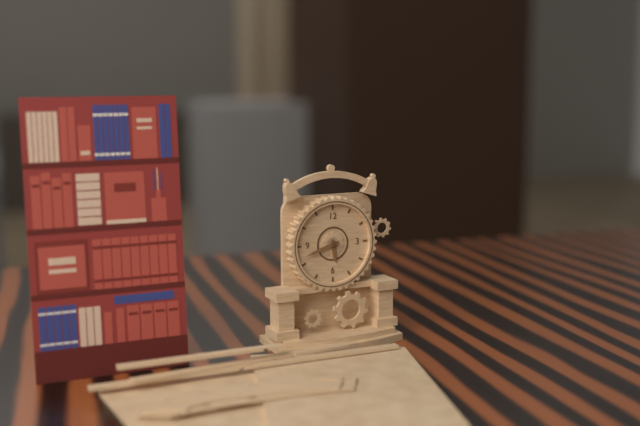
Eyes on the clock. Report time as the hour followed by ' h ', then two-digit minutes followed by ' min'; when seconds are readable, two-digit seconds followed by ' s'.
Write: 5 h 42 min
